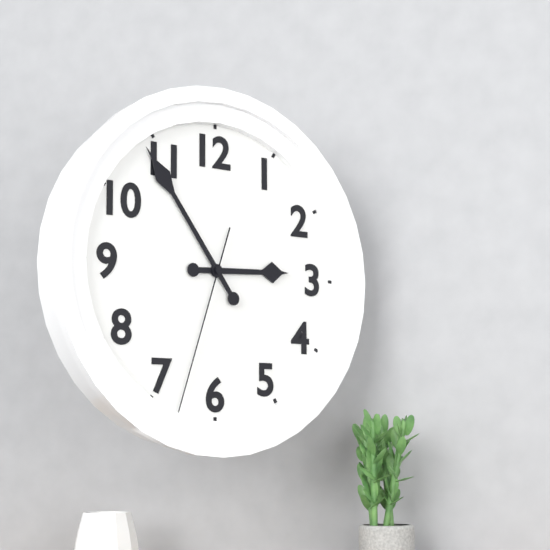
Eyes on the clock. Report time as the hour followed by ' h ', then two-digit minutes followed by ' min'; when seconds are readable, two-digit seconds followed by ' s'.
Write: 2 h 54 min 33 s
